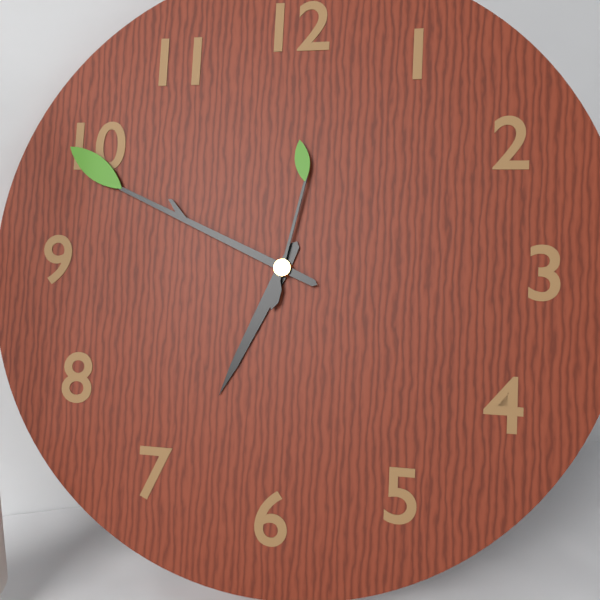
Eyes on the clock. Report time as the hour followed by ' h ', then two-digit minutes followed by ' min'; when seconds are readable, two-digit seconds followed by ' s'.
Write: 6 h 49 min 02 s
